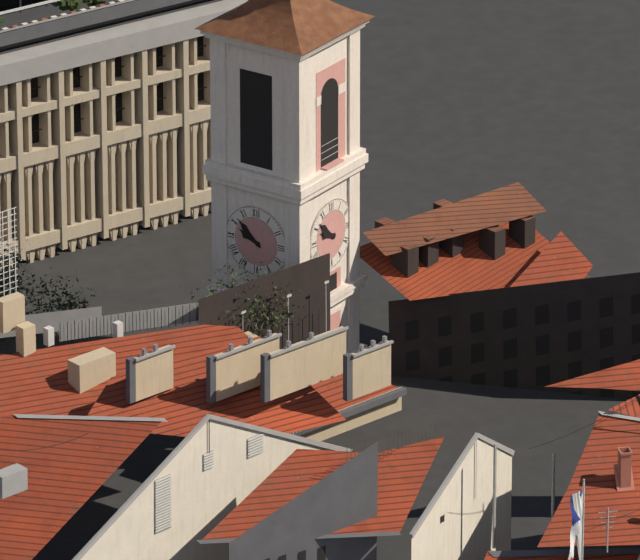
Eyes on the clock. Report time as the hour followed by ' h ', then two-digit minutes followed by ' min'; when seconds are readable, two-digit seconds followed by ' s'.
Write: 9 h 52 min
